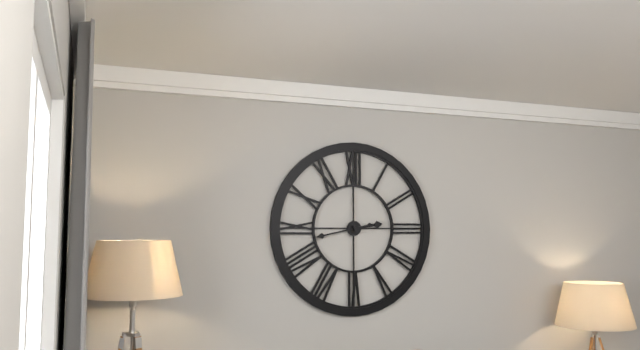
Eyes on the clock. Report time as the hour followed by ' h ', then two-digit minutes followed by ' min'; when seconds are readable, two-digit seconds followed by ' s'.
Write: 2 h 43 min
